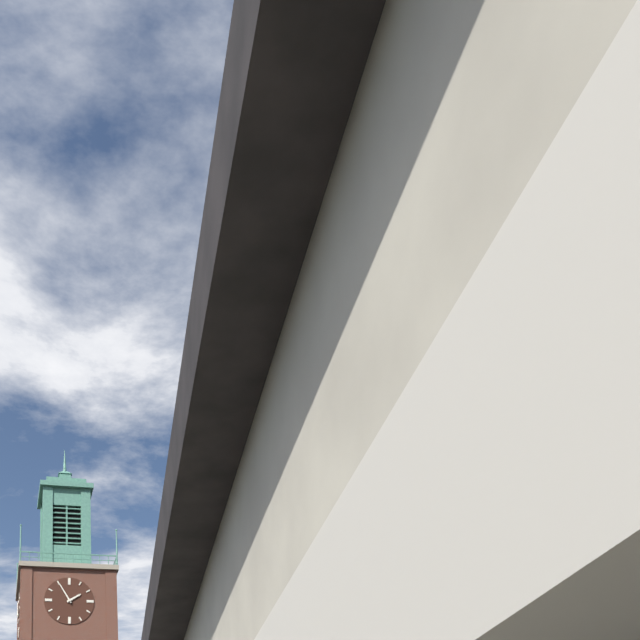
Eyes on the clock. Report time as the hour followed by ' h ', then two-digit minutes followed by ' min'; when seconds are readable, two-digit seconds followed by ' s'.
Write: 1 h 55 min
